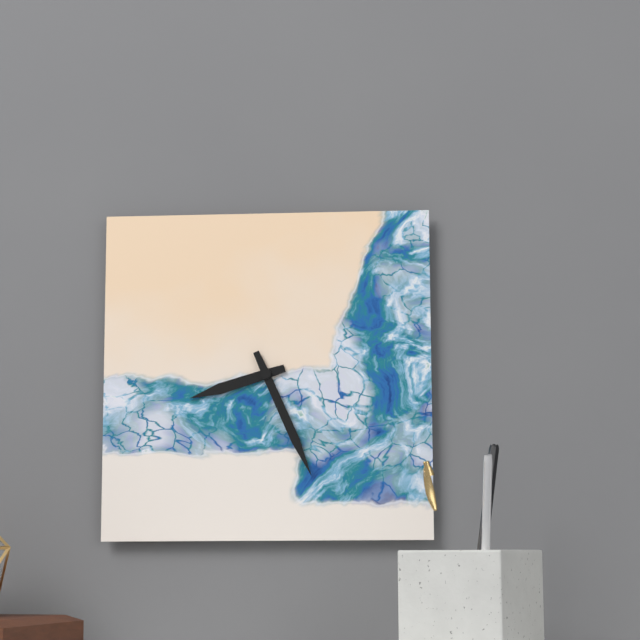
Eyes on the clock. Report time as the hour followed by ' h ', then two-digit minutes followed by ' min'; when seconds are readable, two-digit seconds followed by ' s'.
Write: 8 h 26 min
